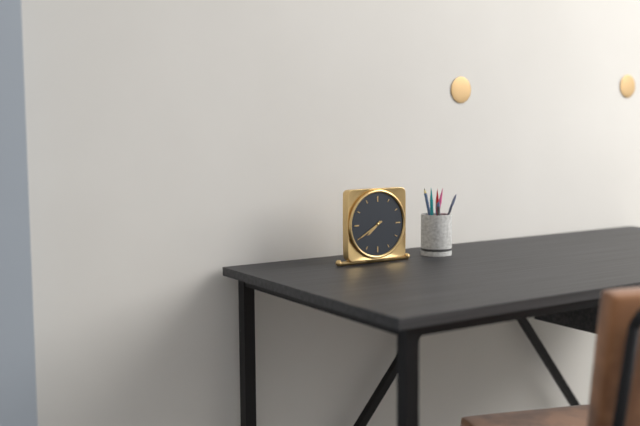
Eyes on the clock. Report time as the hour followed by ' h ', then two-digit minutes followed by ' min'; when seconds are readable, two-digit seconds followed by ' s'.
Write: 7 h 40 min
